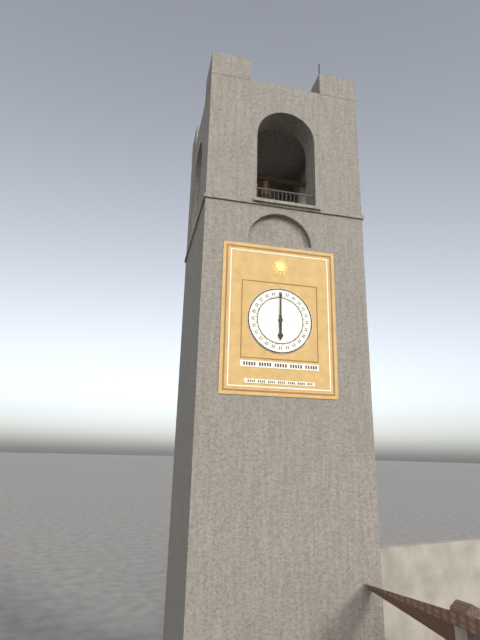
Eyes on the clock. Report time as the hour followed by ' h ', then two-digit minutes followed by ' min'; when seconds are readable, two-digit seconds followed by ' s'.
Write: 6 h 00 min
